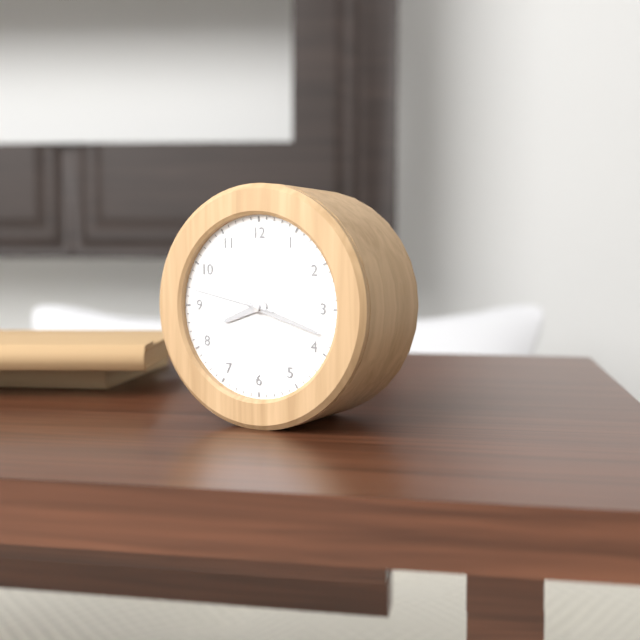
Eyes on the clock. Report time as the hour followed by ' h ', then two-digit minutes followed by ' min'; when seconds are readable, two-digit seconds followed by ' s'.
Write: 8 h 18 min 47 s
